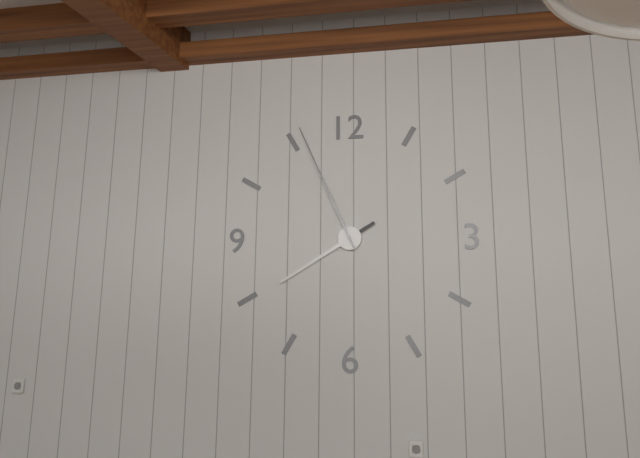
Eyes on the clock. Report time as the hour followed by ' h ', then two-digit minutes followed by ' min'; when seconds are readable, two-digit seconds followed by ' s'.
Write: 7 h 56 min
